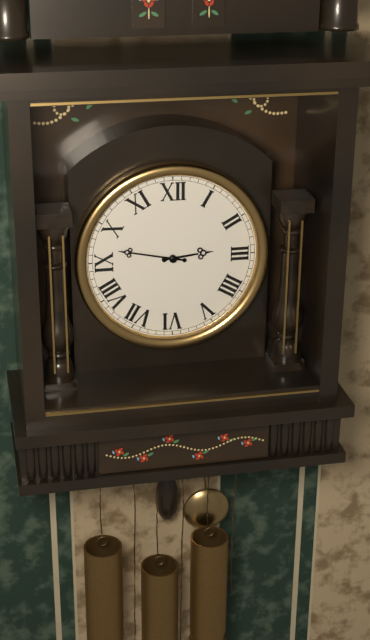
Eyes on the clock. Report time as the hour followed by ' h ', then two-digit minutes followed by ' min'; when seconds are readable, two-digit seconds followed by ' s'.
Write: 2 h 47 min
